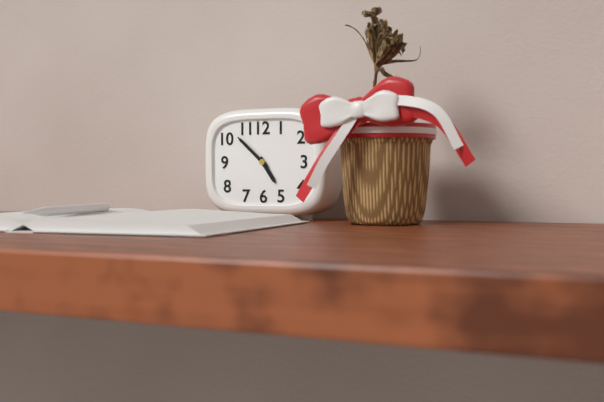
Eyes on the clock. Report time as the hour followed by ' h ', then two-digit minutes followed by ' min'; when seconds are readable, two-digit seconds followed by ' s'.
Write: 4 h 52 min
